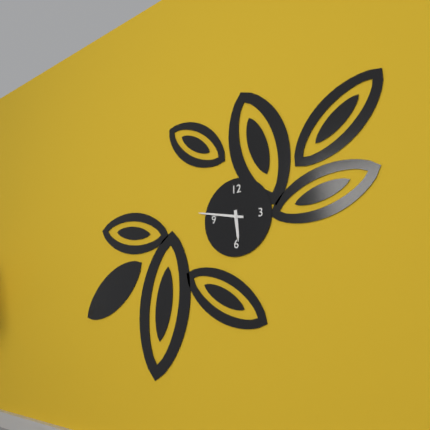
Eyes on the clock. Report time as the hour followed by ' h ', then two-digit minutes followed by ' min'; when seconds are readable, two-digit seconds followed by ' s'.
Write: 5 h 47 min
